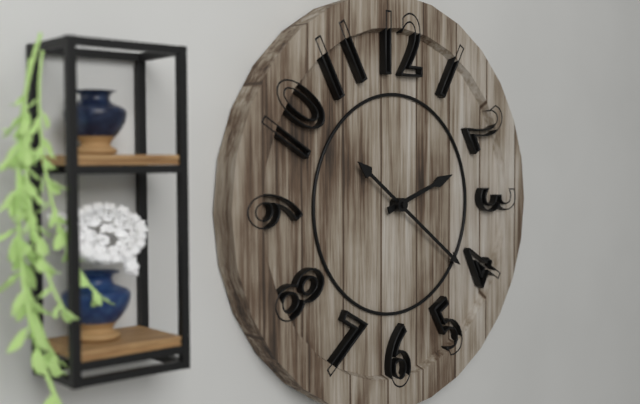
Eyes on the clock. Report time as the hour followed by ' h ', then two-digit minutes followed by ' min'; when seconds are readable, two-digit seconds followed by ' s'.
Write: 2 h 21 min
